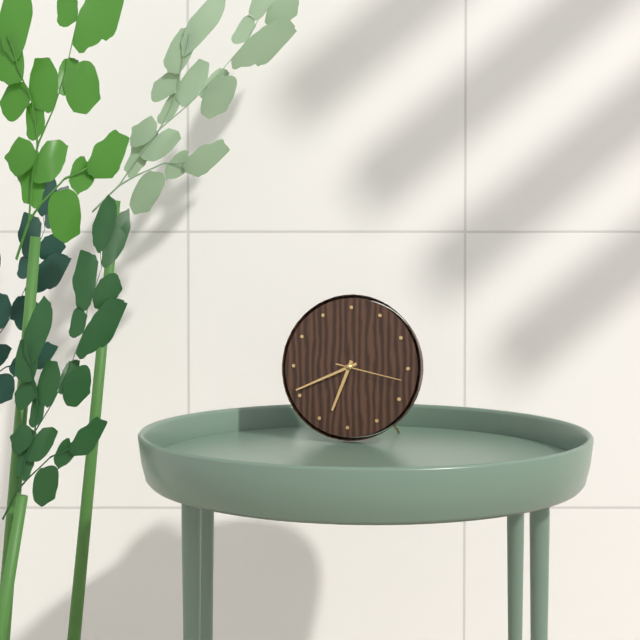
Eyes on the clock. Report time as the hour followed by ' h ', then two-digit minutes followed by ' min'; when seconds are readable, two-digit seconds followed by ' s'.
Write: 6 h 41 min 17 s
